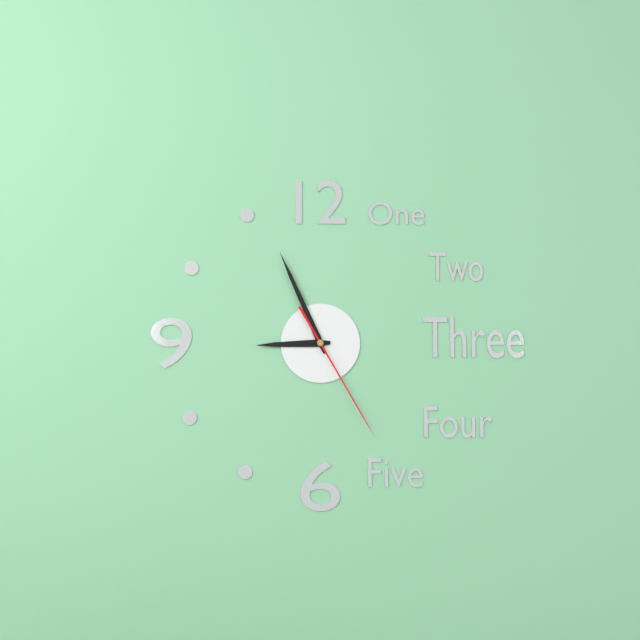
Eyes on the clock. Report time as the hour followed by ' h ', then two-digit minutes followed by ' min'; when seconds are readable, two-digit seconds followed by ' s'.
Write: 8 h 56 min 25 s
